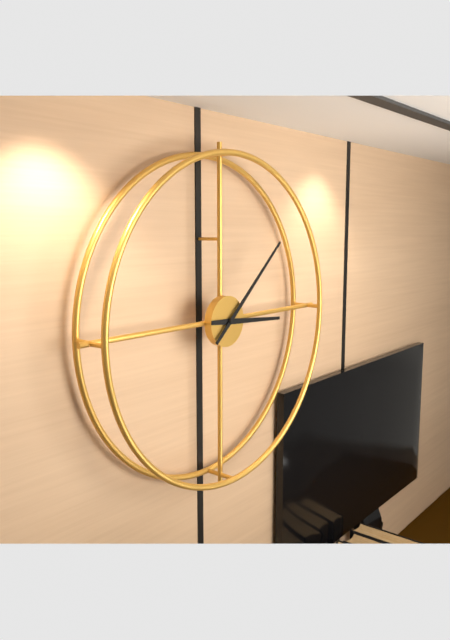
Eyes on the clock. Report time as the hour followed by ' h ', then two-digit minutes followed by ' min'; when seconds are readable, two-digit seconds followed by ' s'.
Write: 3 h 08 min
